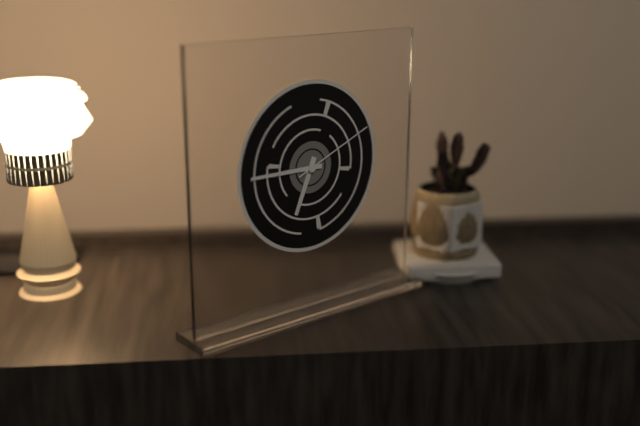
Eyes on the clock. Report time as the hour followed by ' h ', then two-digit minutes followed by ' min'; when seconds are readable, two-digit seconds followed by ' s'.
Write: 6 h 45 min 11 s
